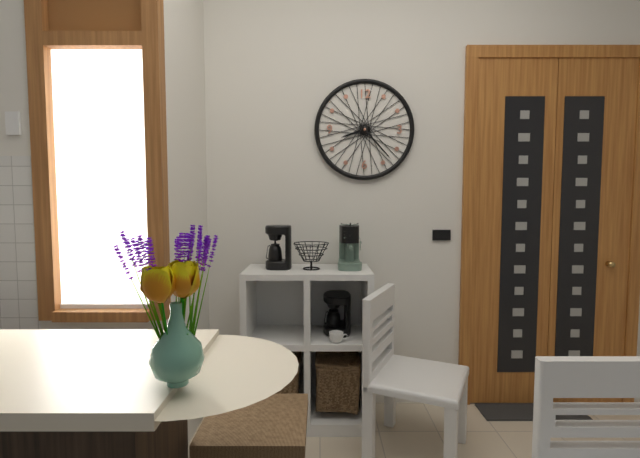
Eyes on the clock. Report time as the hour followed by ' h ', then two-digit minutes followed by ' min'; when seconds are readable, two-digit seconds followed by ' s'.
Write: 8 h 23 min
